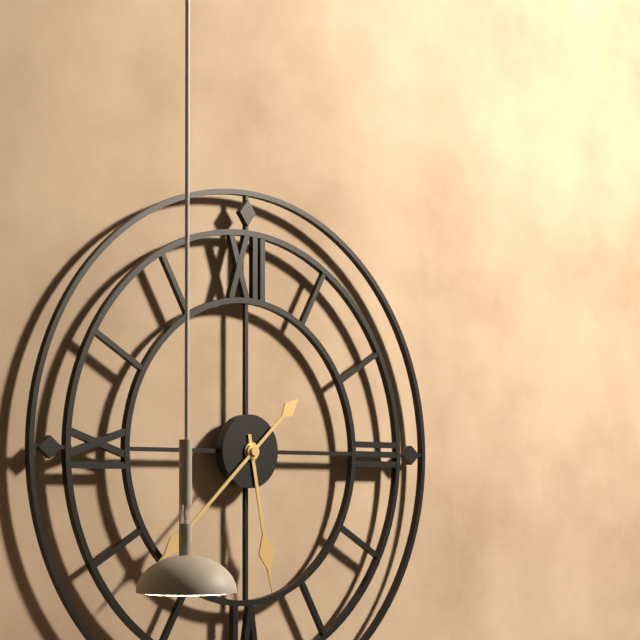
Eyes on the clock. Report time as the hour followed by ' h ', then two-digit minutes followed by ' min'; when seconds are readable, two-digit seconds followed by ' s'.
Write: 5 h 38 min
